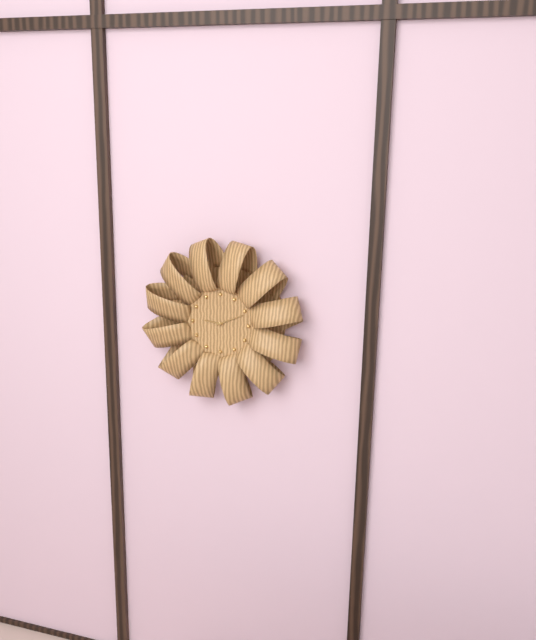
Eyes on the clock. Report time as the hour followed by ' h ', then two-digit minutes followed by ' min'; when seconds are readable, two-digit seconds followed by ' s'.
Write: 9 h 11 min
